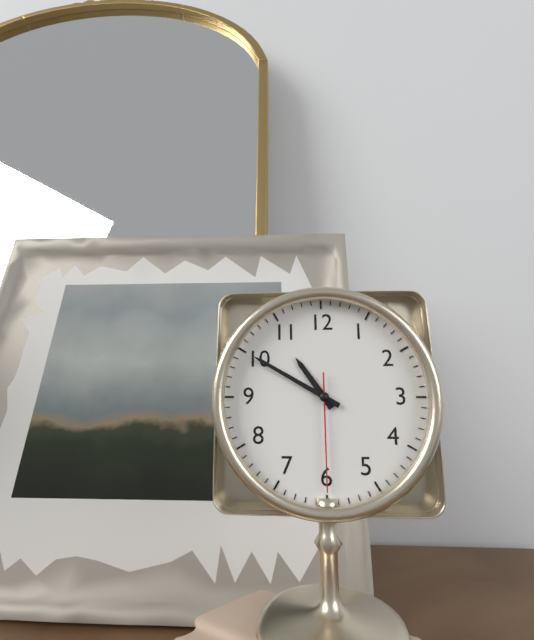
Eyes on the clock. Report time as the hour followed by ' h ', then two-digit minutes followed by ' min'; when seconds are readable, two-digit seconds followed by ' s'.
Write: 10 h 50 min 30 s
